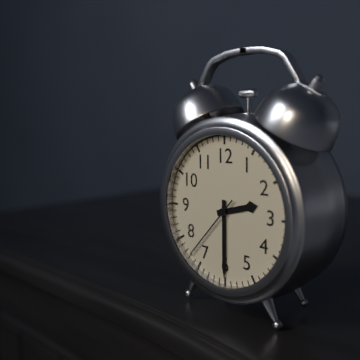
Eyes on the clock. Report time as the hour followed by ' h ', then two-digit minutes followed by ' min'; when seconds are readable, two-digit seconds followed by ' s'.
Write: 2 h 30 min 37 s
